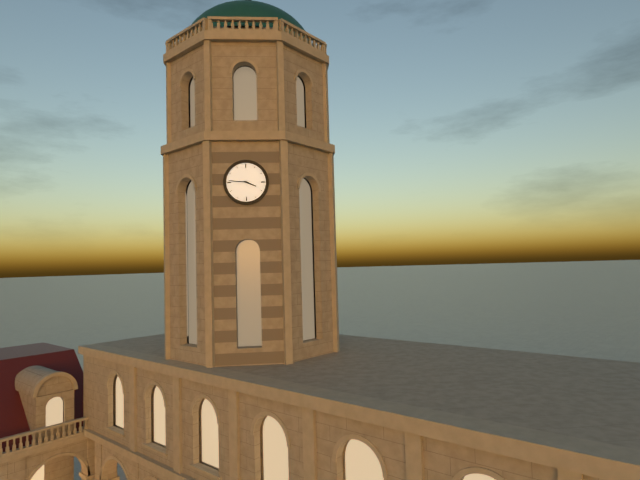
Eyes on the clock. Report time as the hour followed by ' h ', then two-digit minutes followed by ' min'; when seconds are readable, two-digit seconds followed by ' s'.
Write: 3 h 46 min
